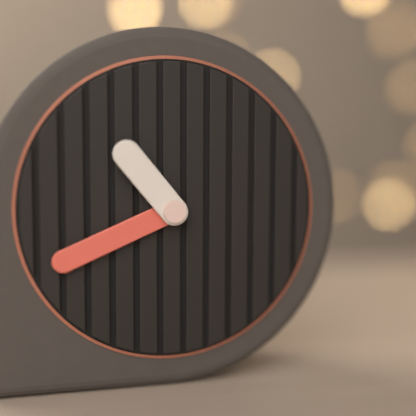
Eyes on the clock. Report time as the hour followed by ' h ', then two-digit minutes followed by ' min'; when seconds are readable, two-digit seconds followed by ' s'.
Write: 10 h 41 min
